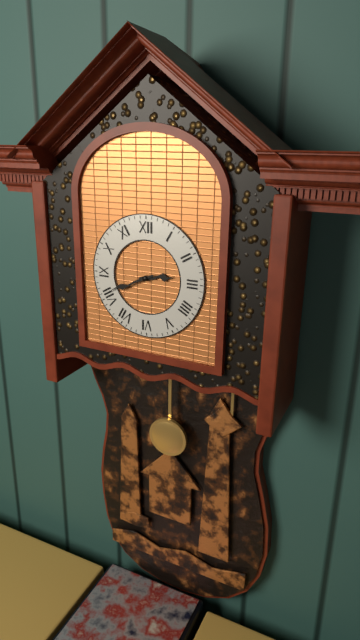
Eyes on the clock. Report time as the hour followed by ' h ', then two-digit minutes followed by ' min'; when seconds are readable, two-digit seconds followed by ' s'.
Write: 2 h 41 min
